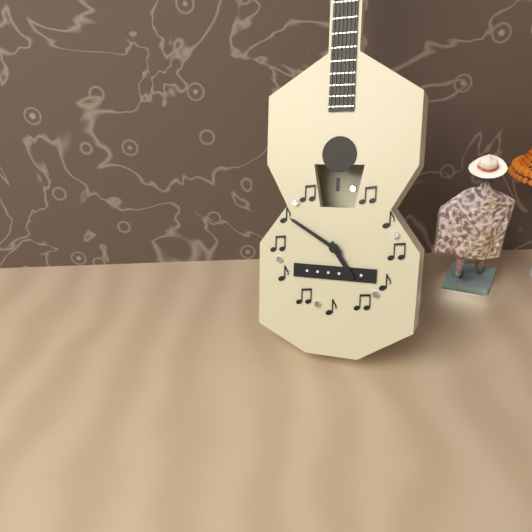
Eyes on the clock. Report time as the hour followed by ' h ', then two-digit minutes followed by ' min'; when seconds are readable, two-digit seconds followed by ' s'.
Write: 4 h 50 min
